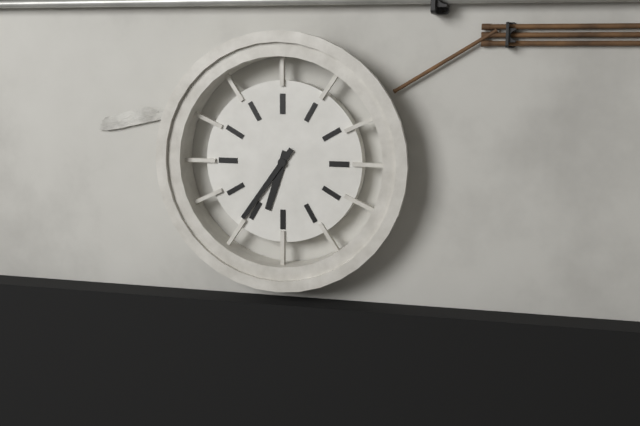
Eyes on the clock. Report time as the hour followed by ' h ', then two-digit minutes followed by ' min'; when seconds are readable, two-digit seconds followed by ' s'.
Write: 6 h 36 min
